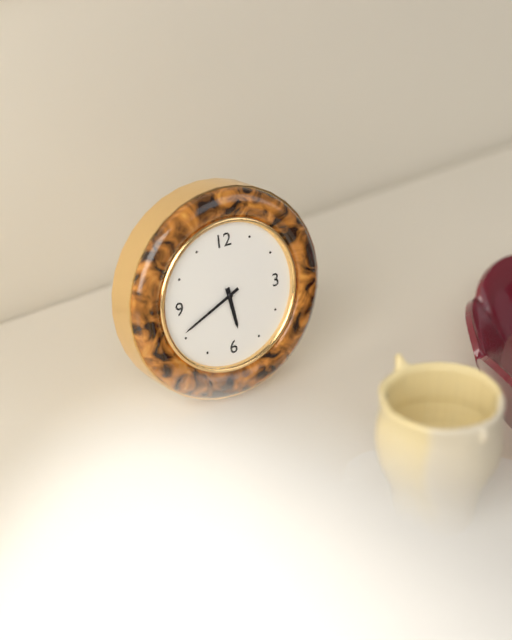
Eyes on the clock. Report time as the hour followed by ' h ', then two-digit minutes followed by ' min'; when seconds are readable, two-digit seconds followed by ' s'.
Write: 5 h 41 min
